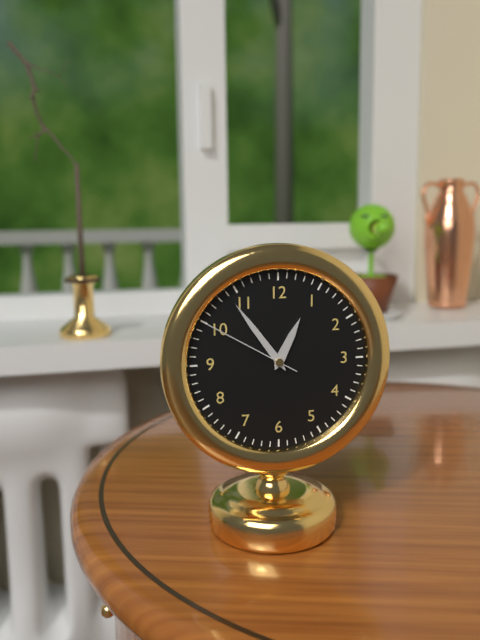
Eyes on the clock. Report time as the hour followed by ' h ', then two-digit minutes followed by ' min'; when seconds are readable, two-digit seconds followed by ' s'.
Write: 12 h 54 min 50 s
